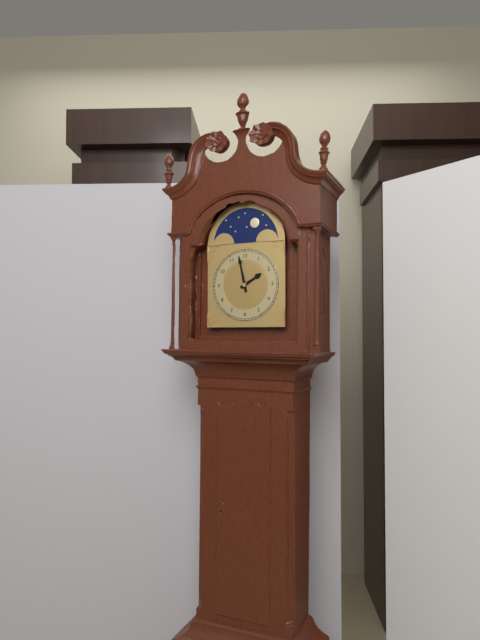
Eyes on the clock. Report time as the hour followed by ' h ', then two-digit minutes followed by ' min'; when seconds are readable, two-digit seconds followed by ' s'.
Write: 1 h 58 min
